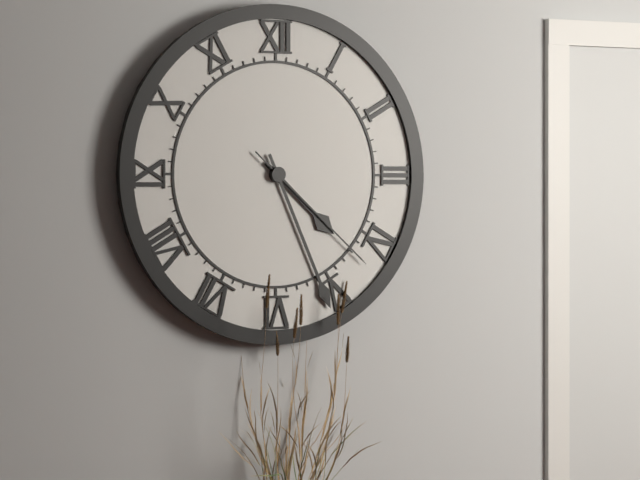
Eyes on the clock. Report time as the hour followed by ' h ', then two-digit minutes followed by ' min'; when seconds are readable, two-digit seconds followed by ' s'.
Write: 4 h 26 min 22 s
